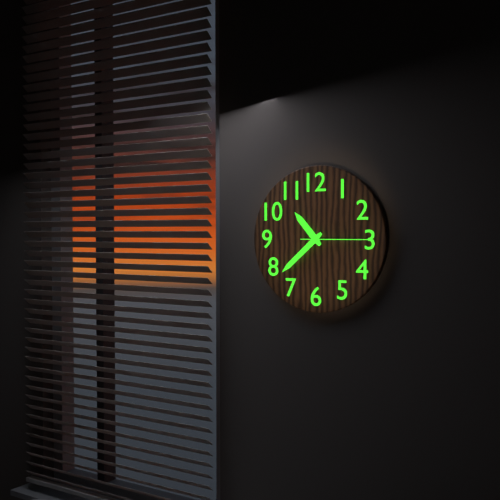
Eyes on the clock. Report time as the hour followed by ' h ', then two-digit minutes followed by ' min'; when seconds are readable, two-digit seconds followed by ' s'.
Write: 10 h 38 min 15 s
